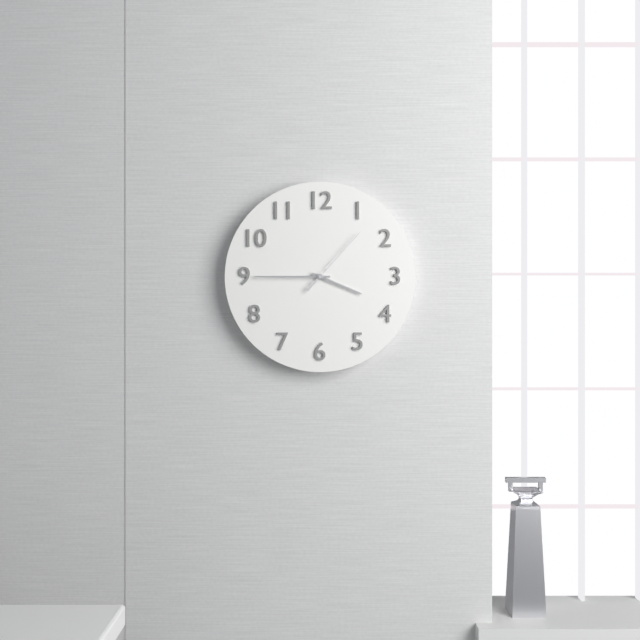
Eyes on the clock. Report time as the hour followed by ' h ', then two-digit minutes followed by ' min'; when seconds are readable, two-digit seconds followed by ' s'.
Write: 3 h 45 min 07 s
